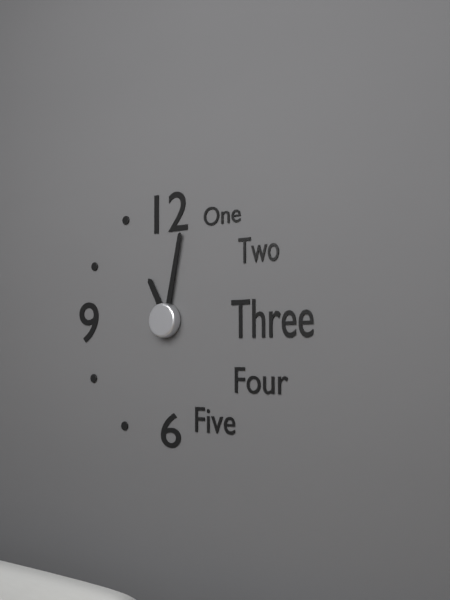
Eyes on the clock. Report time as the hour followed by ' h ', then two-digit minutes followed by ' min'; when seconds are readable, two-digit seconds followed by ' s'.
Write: 11 h 02 min
